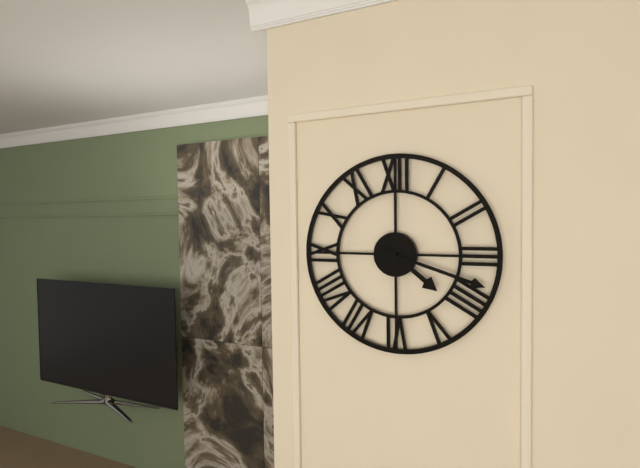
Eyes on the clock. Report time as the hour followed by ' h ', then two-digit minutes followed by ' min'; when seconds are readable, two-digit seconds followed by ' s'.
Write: 4 h 18 min
